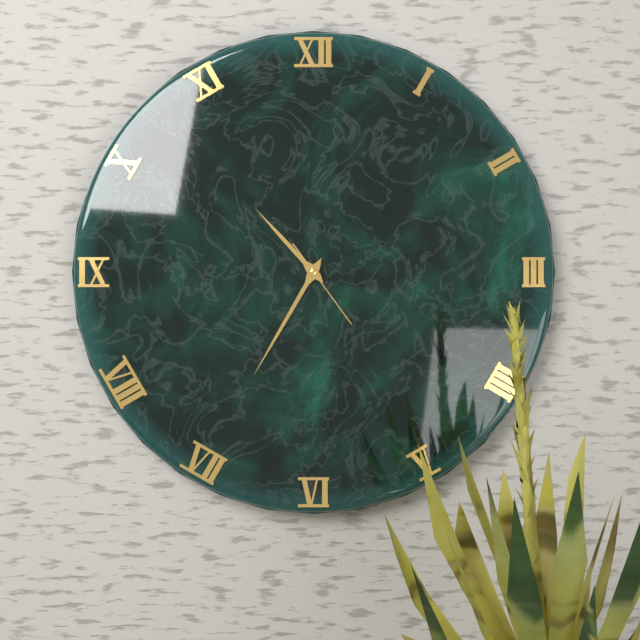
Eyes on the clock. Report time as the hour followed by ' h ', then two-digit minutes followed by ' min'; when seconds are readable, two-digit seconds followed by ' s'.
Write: 10 h 35 min 24 s
